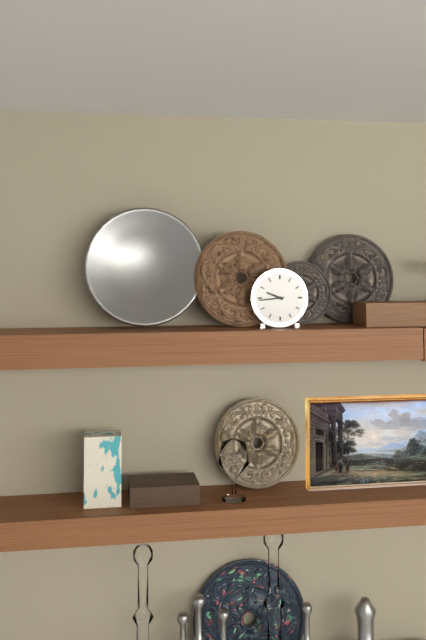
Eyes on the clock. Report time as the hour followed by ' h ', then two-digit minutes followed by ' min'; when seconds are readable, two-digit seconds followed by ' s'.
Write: 9 h 44 min
